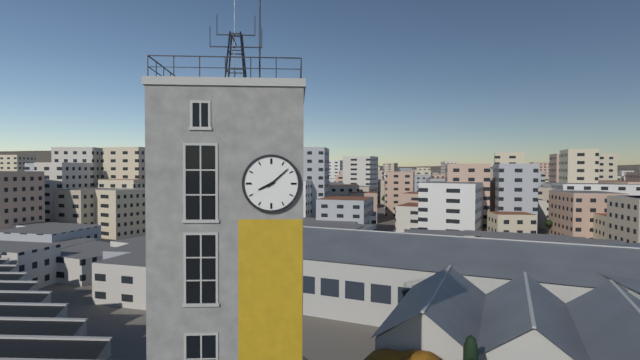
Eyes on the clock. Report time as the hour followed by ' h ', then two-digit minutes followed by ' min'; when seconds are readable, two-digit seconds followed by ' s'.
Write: 8 h 08 min
